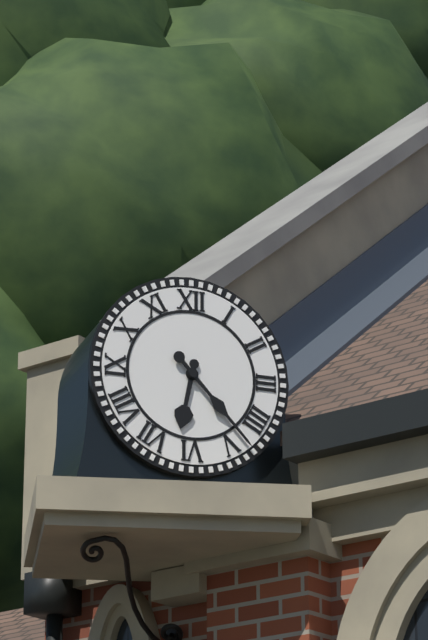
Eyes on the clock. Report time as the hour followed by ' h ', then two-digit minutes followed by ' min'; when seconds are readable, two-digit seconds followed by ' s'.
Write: 6 h 23 min
